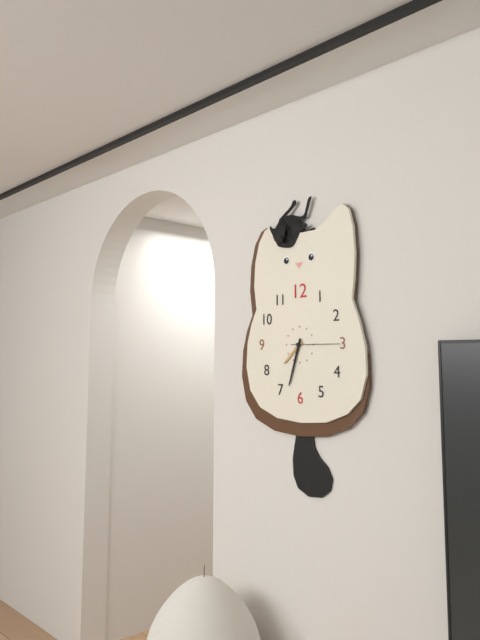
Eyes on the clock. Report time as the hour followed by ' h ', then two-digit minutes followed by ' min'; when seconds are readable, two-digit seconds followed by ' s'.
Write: 7 h 33 min
